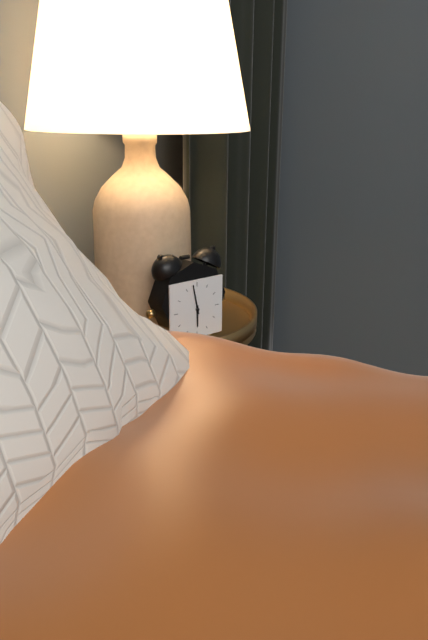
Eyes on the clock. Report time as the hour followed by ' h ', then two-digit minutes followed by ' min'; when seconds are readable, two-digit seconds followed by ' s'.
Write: 5 h 58 min
